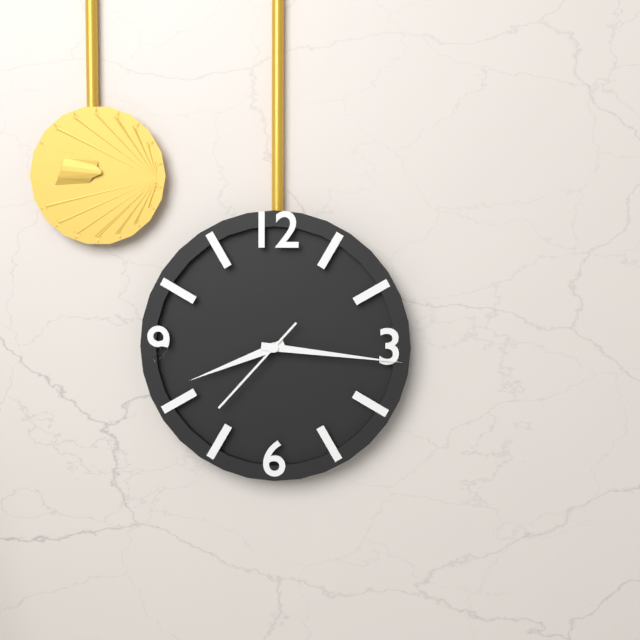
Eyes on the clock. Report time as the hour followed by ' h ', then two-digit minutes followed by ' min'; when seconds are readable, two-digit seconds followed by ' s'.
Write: 8 h 16 min 37 s
